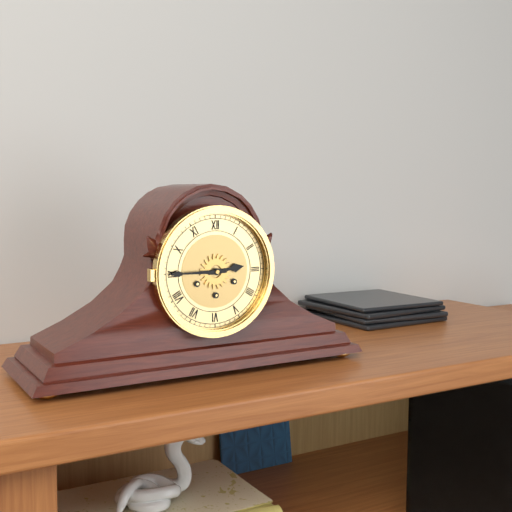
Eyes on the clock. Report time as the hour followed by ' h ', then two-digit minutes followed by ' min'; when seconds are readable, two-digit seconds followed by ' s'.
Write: 2 h 45 min
